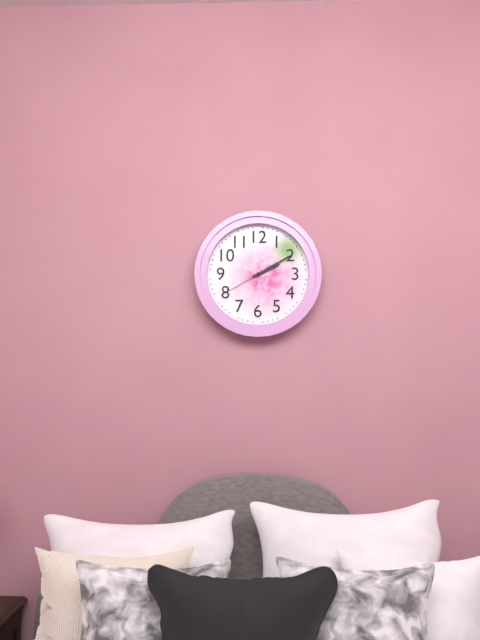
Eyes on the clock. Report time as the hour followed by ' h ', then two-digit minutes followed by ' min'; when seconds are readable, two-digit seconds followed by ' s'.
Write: 2 h 10 min 40 s
